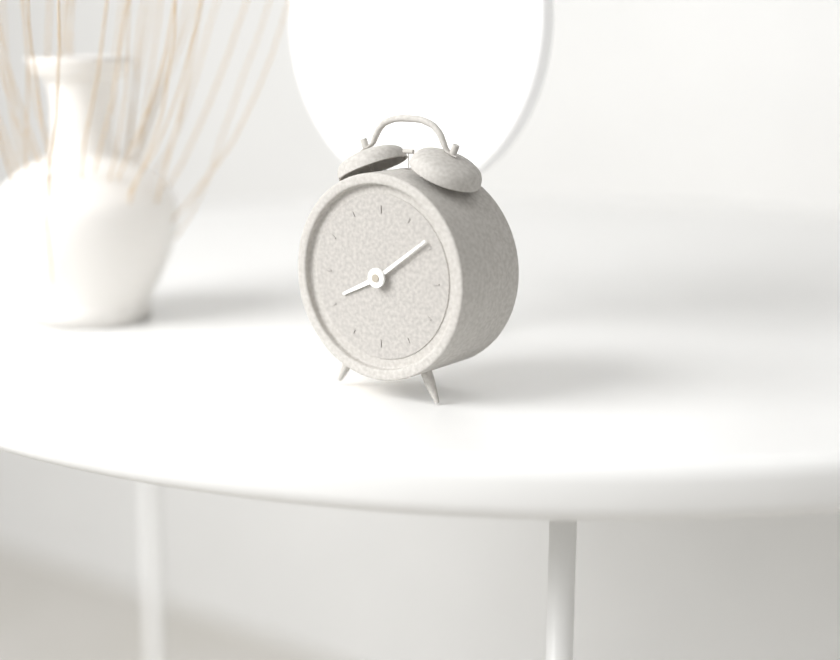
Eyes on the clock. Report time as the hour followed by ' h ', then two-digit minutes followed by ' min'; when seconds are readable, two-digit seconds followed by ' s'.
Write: 8 h 09 min
